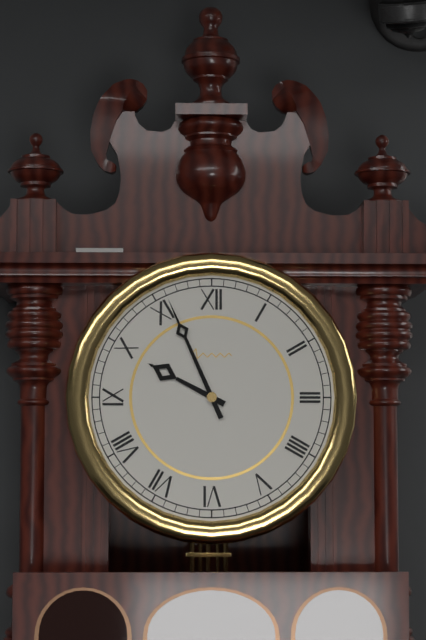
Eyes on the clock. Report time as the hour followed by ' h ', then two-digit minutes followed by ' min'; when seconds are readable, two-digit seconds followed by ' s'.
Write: 9 h 56 min
